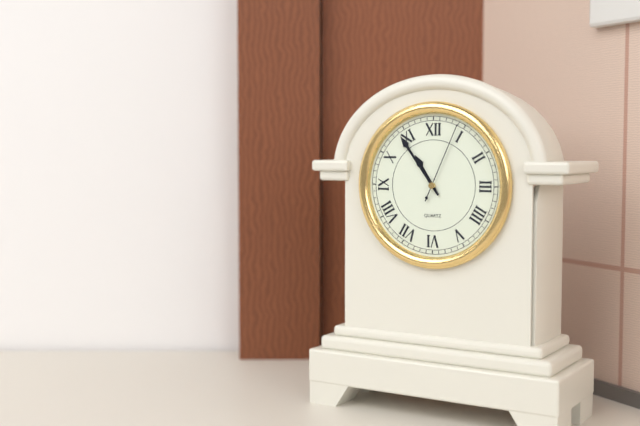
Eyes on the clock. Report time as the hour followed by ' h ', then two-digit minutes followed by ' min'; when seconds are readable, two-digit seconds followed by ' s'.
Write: 10 h 54 min 04 s
